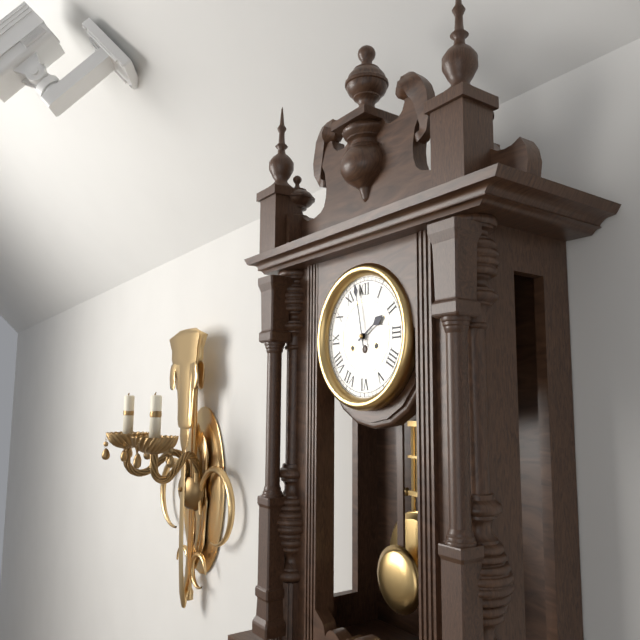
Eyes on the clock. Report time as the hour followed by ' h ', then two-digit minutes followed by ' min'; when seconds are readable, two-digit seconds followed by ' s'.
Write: 1 h 58 min
